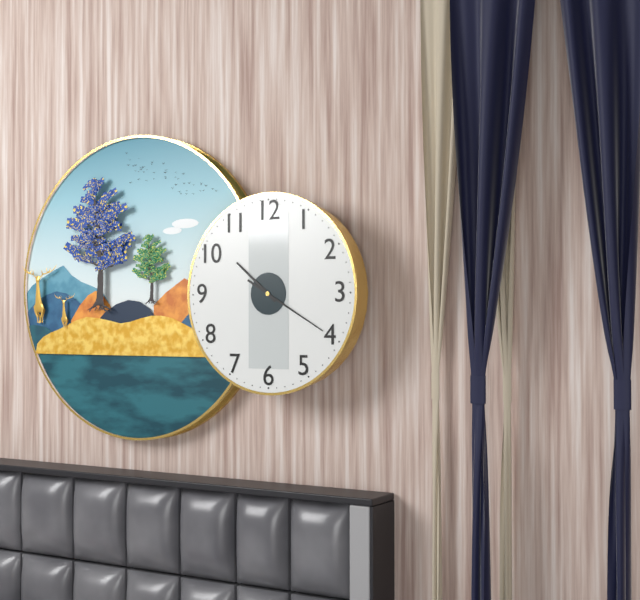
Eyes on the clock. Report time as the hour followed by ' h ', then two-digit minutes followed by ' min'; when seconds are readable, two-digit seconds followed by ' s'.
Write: 10 h 20 min
